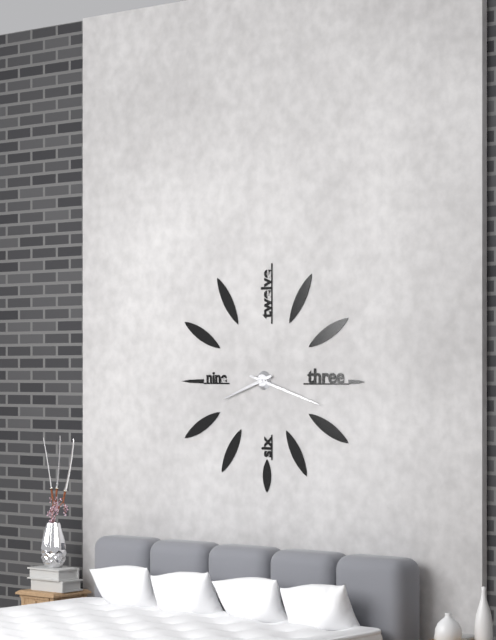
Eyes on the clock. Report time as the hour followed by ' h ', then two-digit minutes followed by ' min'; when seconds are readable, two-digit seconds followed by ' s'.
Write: 8 h 18 min
